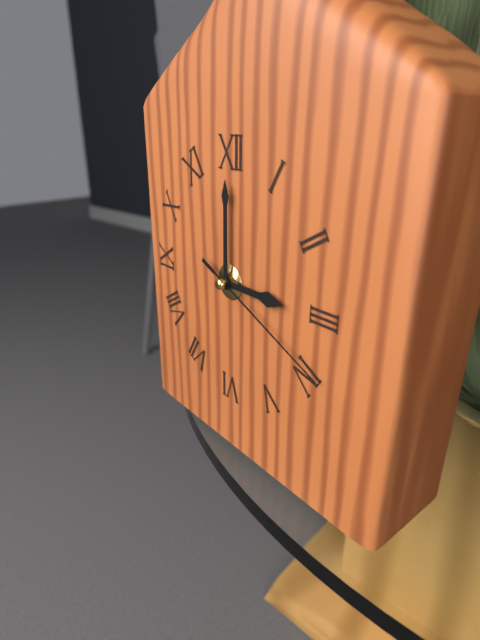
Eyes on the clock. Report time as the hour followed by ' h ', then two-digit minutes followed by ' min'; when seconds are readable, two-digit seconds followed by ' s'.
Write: 3 h 00 min 19 s
